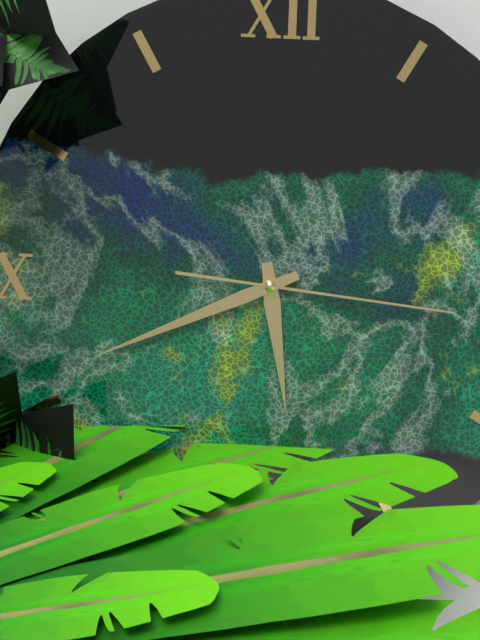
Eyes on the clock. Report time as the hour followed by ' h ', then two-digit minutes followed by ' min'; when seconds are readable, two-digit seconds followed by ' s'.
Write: 5 h 41 min 16 s
